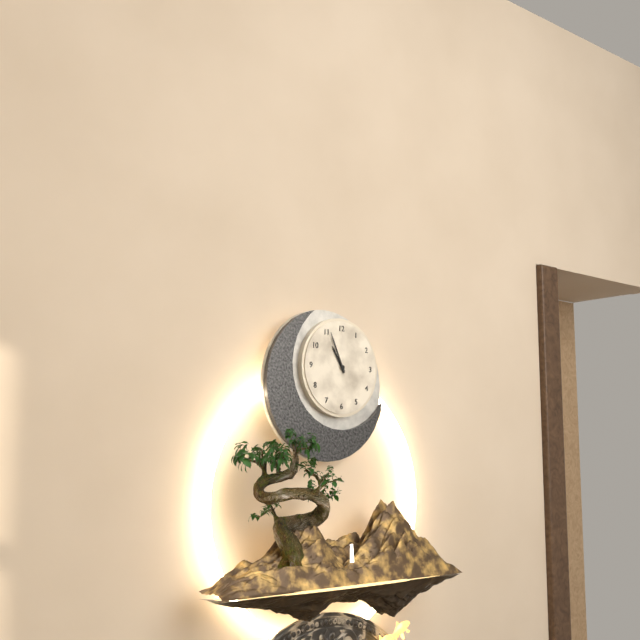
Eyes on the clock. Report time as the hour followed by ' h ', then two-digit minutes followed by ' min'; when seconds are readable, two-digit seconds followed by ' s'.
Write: 10 h 56 min
